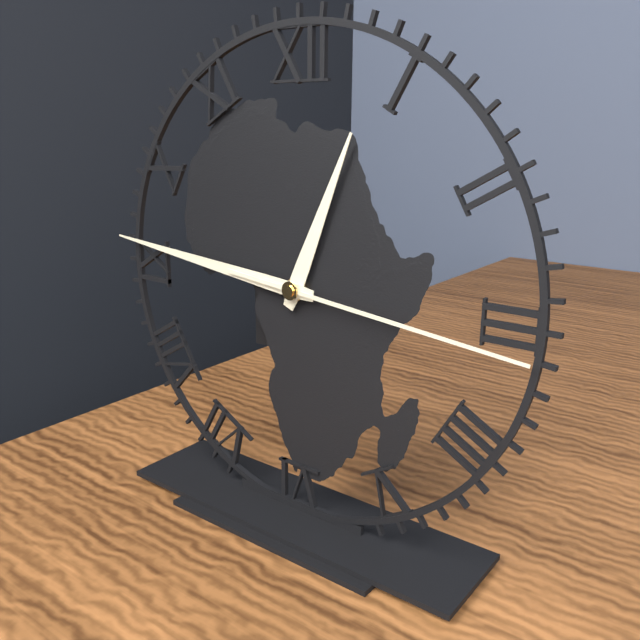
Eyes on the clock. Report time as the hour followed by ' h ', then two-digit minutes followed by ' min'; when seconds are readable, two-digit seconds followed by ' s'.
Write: 12 h 46 min 16 s
